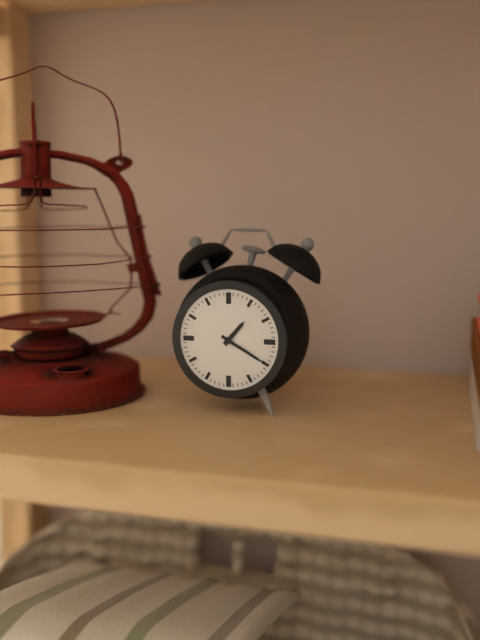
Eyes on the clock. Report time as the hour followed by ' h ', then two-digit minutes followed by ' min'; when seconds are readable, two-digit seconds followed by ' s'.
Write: 1 h 20 min
